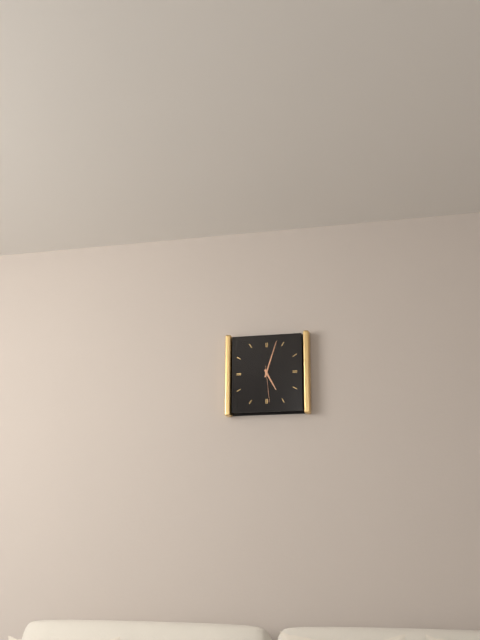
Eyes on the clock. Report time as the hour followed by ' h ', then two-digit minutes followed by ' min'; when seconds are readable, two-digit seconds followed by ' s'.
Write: 5 h 03 min
